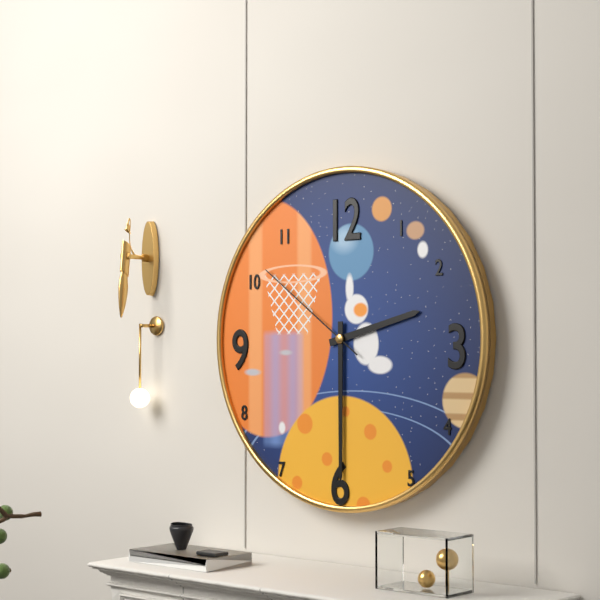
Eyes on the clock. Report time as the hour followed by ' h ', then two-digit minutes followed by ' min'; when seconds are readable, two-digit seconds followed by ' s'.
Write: 2 h 30 min 51 s
